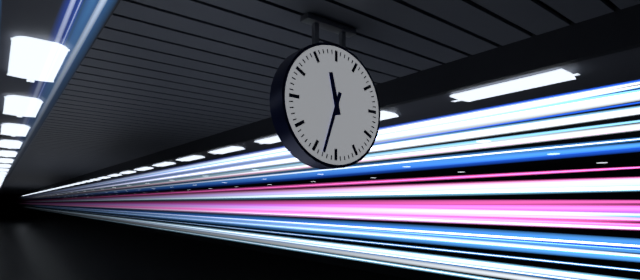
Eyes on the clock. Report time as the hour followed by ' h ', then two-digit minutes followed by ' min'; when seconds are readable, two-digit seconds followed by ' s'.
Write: 11 h 33 min
